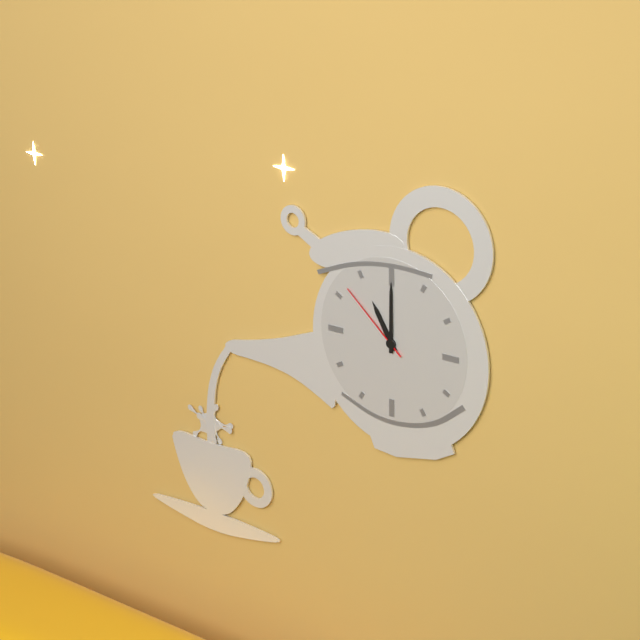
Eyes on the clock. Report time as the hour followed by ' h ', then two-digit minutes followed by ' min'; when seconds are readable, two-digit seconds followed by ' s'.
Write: 11 h 00 min 52 s
